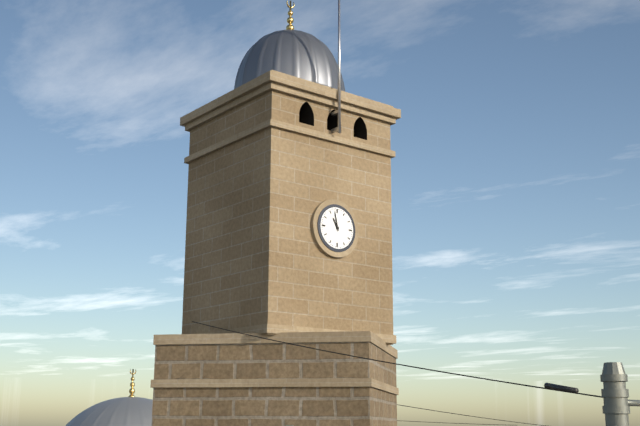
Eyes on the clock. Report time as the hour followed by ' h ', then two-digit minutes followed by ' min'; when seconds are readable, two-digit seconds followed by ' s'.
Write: 10 h 58 min
